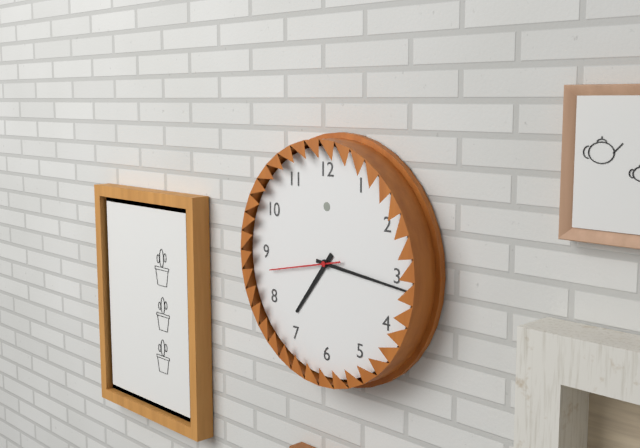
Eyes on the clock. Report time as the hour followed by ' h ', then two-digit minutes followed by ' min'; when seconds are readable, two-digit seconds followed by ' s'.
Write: 7 h 16 min 43 s
